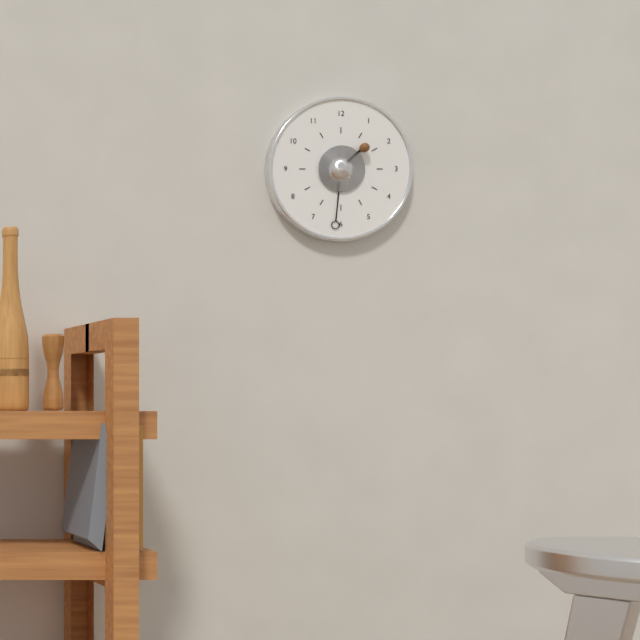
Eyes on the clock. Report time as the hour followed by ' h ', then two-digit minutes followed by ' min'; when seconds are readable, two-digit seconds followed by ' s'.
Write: 1 h 31 min
